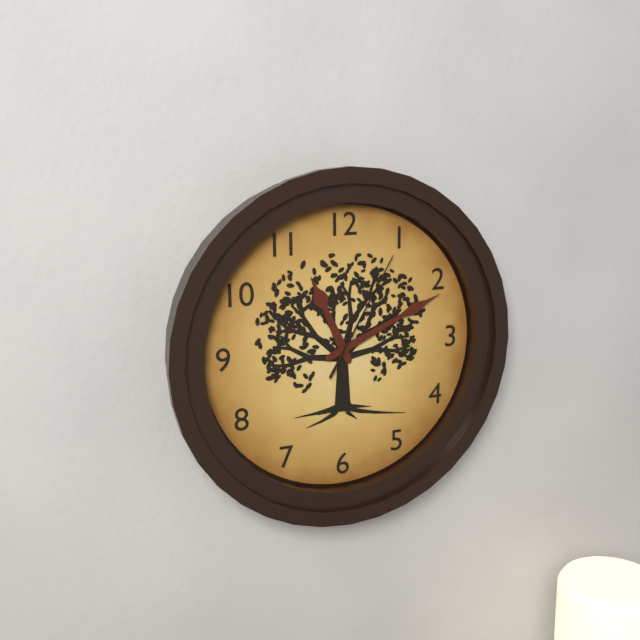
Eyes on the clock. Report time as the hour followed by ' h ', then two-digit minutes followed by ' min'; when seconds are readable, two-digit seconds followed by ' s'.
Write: 11 h 11 min 05 s
